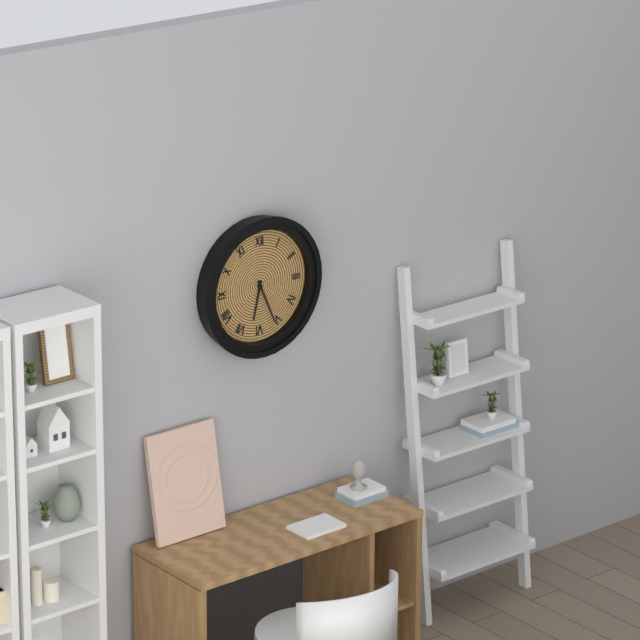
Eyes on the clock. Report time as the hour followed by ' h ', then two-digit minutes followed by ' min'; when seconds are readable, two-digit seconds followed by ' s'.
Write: 6 h 26 min
